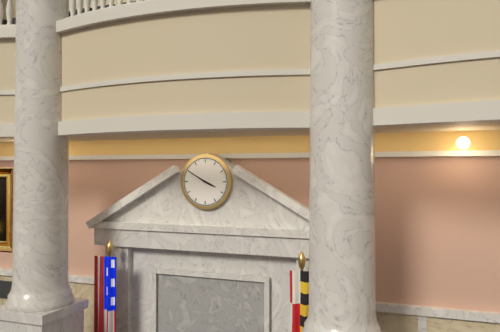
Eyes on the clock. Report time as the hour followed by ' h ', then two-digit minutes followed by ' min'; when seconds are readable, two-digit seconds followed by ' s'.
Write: 3 h 50 min
